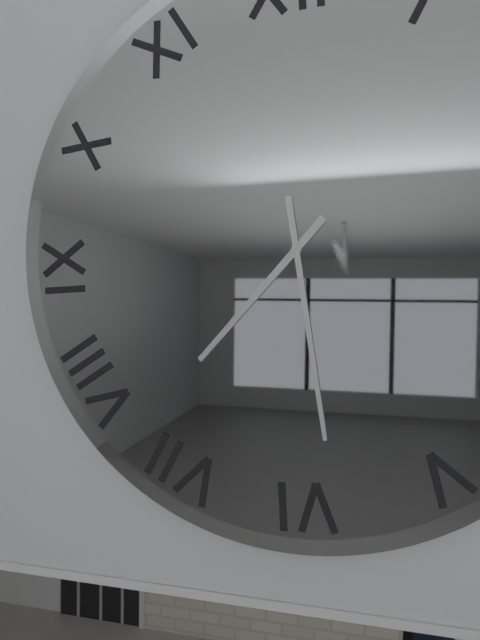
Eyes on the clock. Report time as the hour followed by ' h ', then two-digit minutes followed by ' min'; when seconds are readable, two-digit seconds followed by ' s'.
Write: 7 h 29 min
